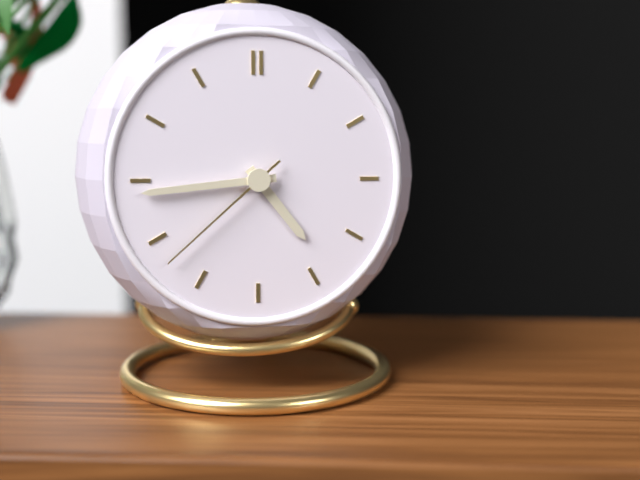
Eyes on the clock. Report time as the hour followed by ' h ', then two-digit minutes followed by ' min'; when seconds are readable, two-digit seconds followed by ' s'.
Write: 4 h 44 min 38 s
